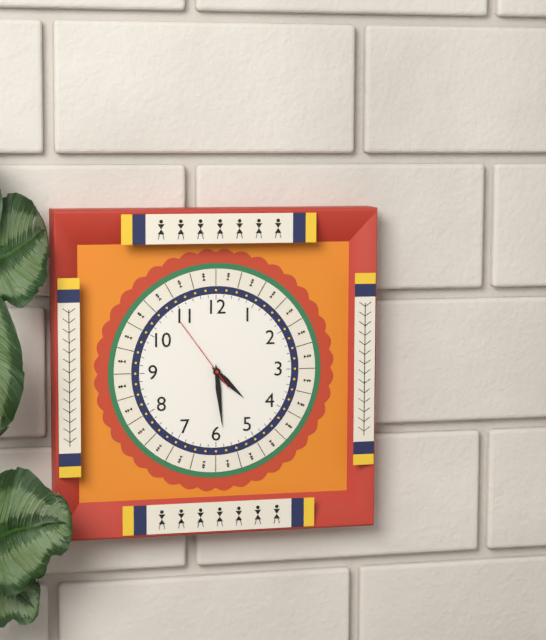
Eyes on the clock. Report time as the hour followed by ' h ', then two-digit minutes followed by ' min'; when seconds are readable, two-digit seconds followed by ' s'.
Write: 4 h 29 min 54 s
